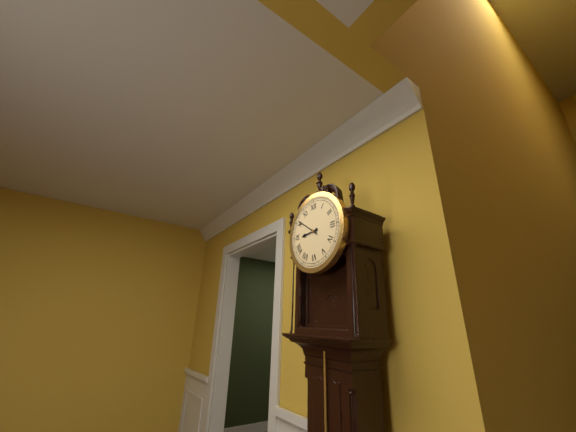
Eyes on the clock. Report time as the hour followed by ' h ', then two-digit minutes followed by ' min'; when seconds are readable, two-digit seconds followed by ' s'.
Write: 8 h 51 min
